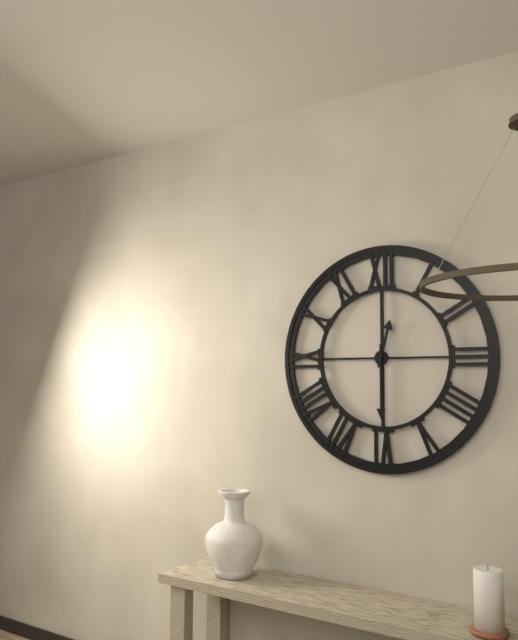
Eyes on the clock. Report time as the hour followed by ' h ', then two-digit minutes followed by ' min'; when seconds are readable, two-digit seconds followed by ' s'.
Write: 12 h 30 min
